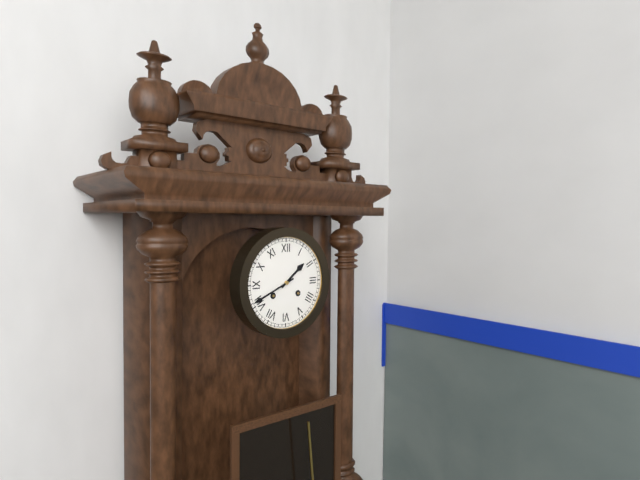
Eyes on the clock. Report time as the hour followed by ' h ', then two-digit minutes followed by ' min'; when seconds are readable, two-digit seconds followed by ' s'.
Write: 1 h 41 min
